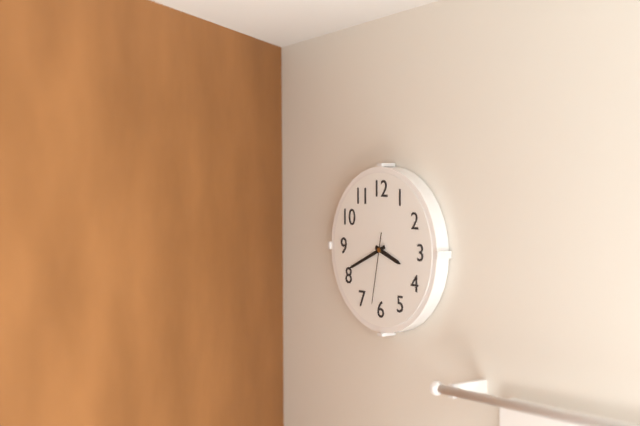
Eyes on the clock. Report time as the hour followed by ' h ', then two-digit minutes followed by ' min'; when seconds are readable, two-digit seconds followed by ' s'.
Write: 3 h 41 min 32 s
